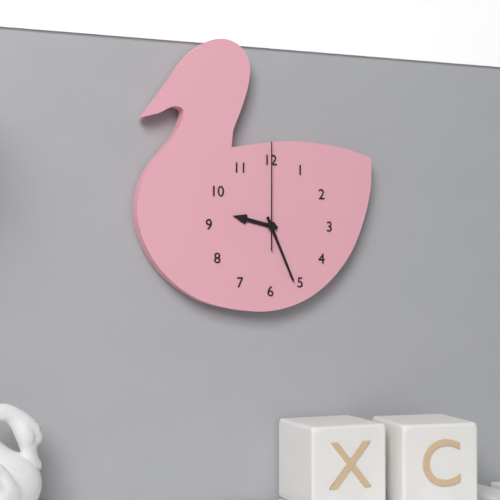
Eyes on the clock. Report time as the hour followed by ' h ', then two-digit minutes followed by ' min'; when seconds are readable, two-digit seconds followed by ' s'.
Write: 9 h 26 min 00 s
